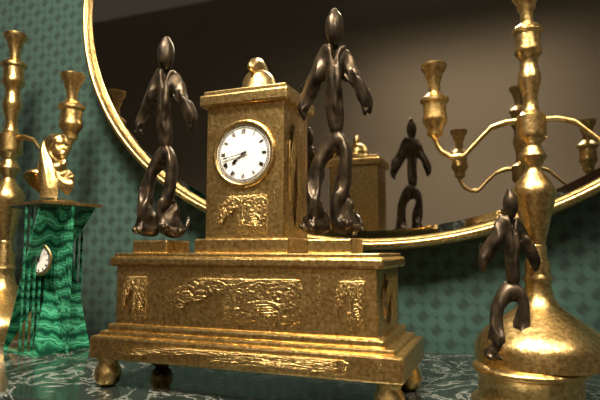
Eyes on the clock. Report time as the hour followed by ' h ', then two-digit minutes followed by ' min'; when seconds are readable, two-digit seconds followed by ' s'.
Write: 7 h 43 min
